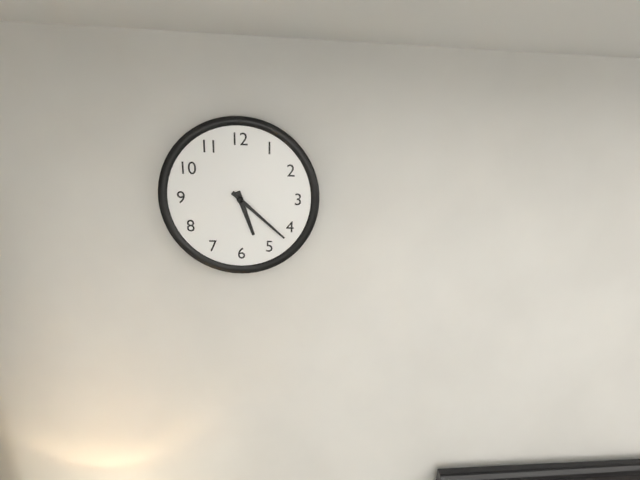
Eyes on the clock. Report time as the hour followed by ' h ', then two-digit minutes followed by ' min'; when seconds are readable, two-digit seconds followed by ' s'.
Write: 5 h 22 min
